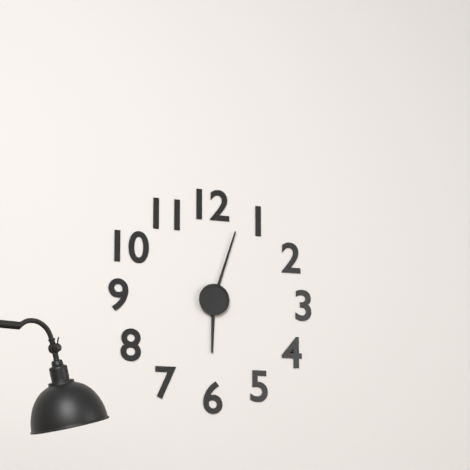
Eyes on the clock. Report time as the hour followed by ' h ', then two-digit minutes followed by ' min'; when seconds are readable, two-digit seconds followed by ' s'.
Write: 6 h 03 min
